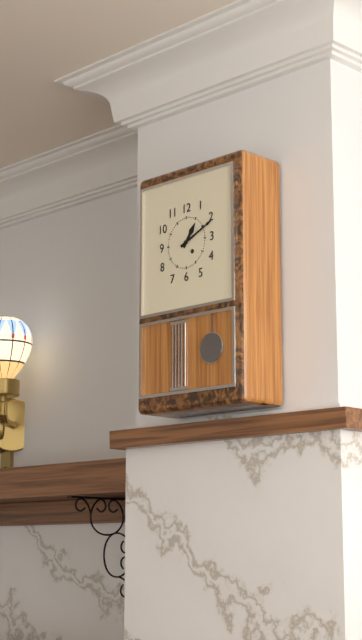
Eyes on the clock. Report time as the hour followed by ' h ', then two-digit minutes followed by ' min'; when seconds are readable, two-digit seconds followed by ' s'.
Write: 1 h 11 min
